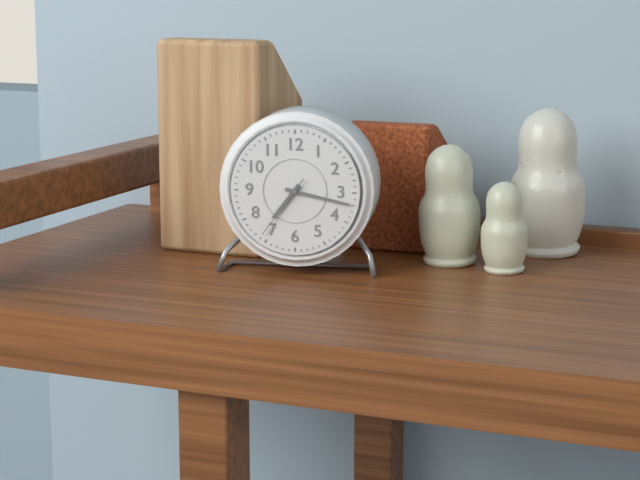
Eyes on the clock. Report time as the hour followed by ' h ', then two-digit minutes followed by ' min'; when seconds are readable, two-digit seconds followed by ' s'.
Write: 7 h 17 min 36 s
